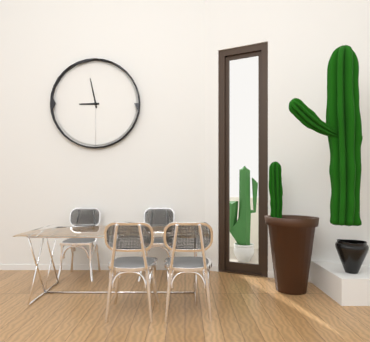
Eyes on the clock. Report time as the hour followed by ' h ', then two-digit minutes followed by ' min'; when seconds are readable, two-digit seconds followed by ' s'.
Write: 8 h 58 min
